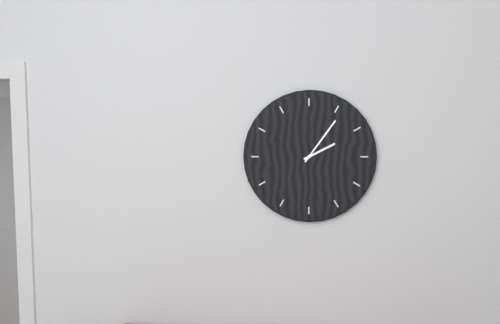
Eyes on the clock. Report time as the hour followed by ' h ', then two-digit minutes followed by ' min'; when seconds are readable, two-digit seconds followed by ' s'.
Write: 2 h 06 min
